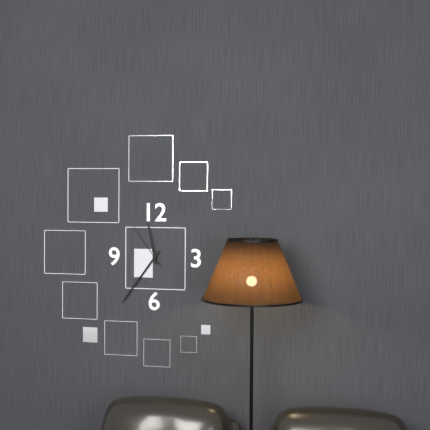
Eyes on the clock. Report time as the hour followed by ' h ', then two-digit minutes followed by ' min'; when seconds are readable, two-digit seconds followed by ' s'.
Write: 11 h 36 min 54 s
